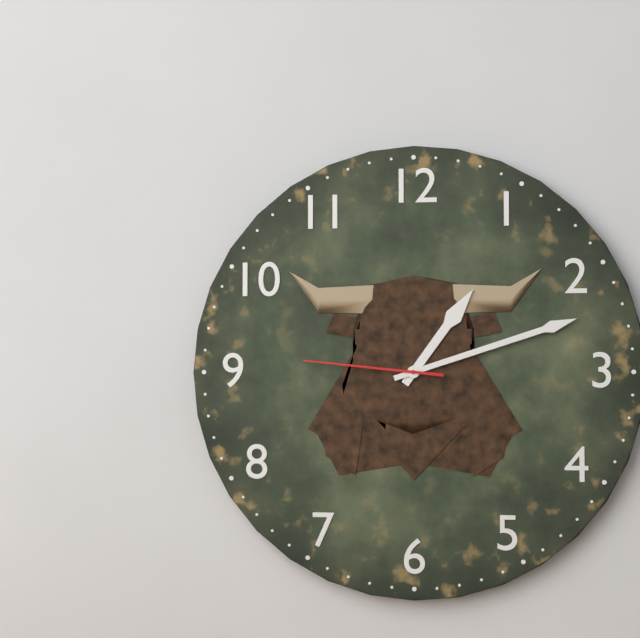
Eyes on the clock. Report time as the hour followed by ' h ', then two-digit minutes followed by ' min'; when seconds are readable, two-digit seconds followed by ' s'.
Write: 1 h 12 min 46 s
